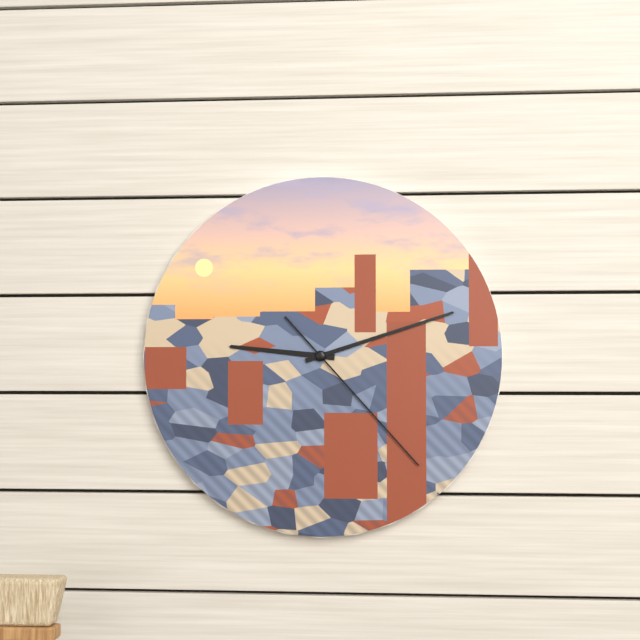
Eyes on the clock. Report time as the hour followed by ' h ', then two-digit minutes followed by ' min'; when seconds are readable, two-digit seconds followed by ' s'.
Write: 9 h 12 min 23 s
